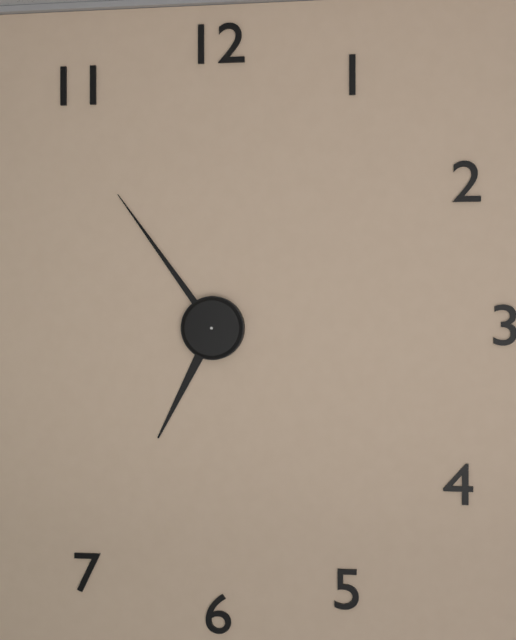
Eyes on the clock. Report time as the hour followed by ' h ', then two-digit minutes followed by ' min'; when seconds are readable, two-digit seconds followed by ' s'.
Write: 6 h 54 min
